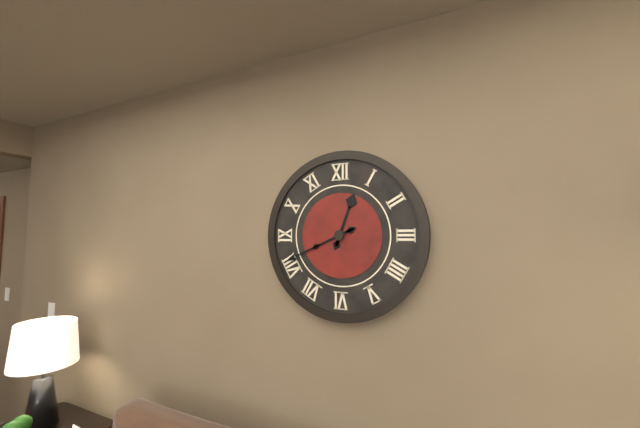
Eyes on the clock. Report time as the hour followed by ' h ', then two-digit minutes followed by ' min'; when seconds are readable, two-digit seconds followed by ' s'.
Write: 12 h 41 min
